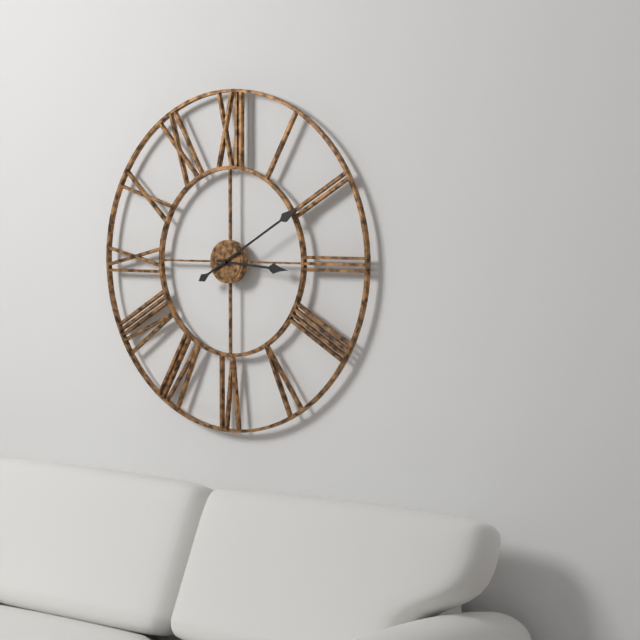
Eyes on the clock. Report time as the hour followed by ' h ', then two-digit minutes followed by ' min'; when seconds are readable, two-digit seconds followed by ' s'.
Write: 3 h 10 min
